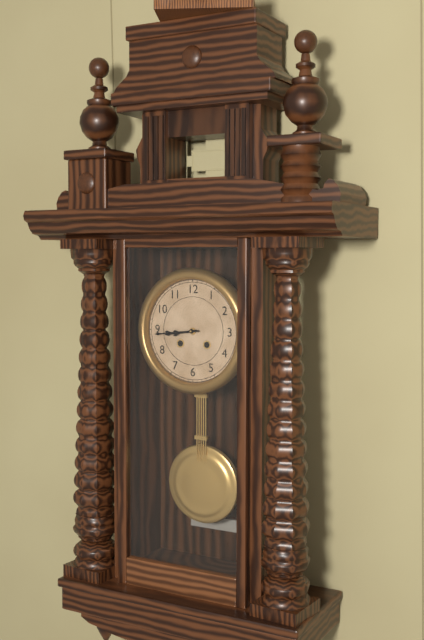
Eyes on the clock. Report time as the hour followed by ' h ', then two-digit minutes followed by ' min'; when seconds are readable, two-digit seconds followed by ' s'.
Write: 8 h 44 min
